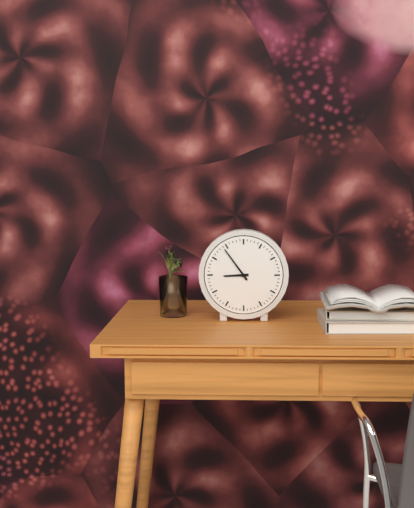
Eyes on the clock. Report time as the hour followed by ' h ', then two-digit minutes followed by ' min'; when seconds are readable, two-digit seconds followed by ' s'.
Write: 8 h 54 min
